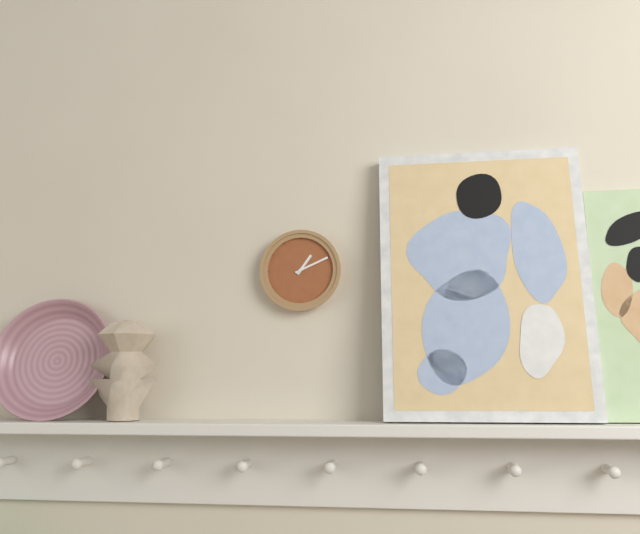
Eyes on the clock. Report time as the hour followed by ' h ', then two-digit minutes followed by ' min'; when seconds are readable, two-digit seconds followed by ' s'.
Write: 1 h 11 min
